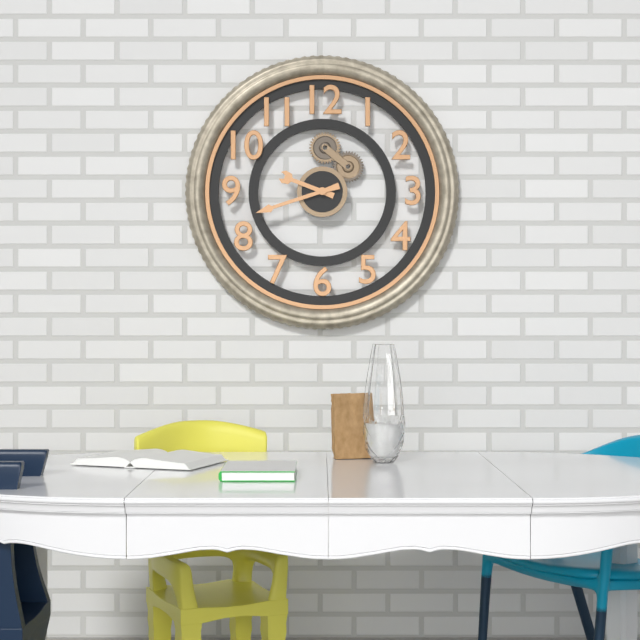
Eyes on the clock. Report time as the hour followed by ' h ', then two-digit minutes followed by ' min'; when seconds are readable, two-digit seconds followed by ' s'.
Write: 9 h 42 min
